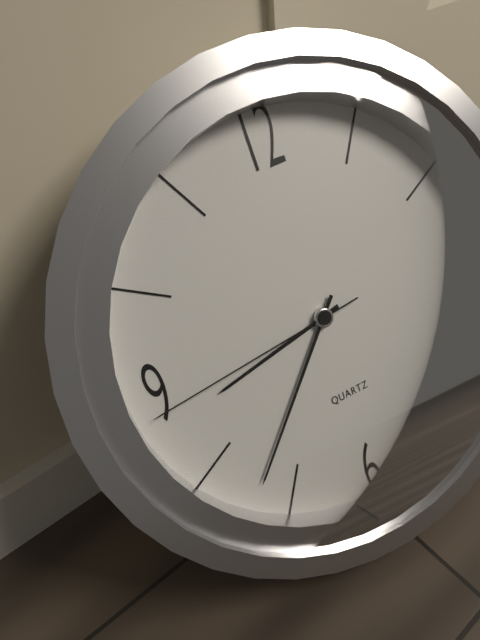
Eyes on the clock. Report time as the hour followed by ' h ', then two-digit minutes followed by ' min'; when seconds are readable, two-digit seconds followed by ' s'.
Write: 8 h 37 min 44 s
